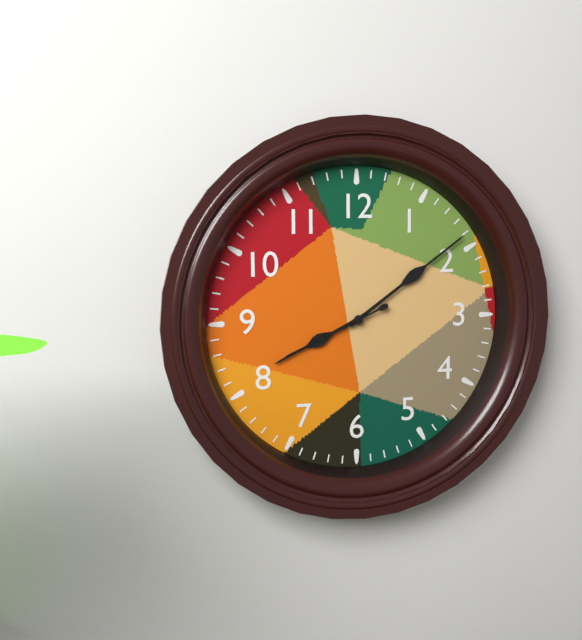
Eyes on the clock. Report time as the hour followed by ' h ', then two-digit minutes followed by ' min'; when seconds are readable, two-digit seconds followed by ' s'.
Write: 8 h 09 min 41 s
